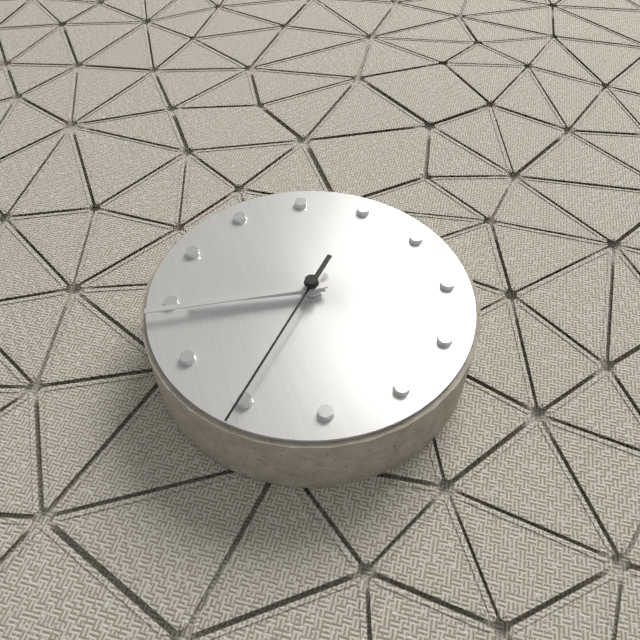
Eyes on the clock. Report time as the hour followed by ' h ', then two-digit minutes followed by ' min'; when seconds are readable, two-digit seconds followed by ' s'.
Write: 10 h 54 min 45 s
